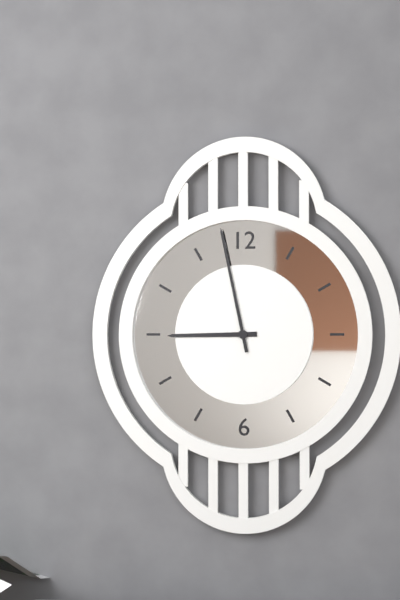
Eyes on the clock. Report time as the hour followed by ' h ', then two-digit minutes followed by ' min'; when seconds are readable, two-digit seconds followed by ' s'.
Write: 8 h 58 min
